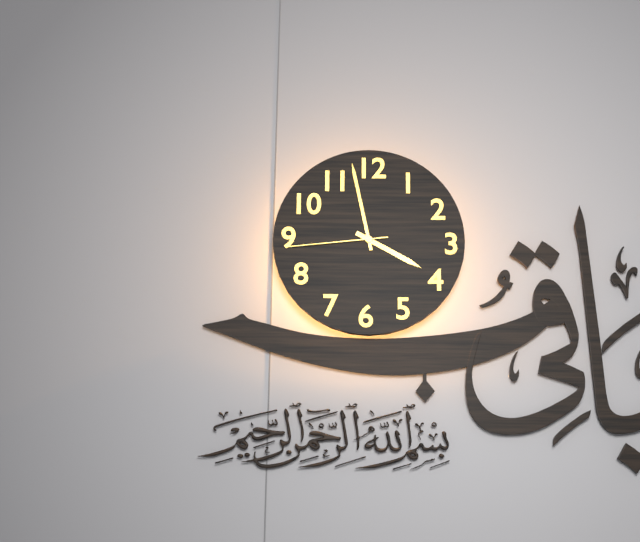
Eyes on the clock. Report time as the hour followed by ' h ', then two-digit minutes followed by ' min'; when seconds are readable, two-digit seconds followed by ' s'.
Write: 3 h 58 min 44 s
